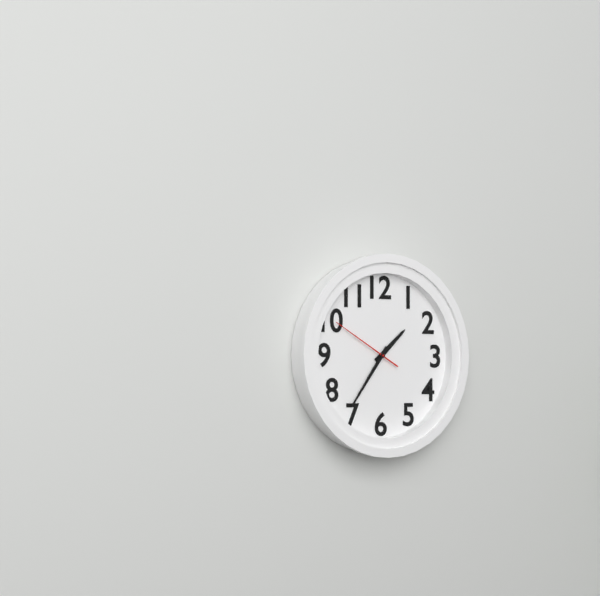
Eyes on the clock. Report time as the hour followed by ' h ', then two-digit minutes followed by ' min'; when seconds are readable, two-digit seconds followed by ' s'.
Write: 1 h 36 min 50 s
